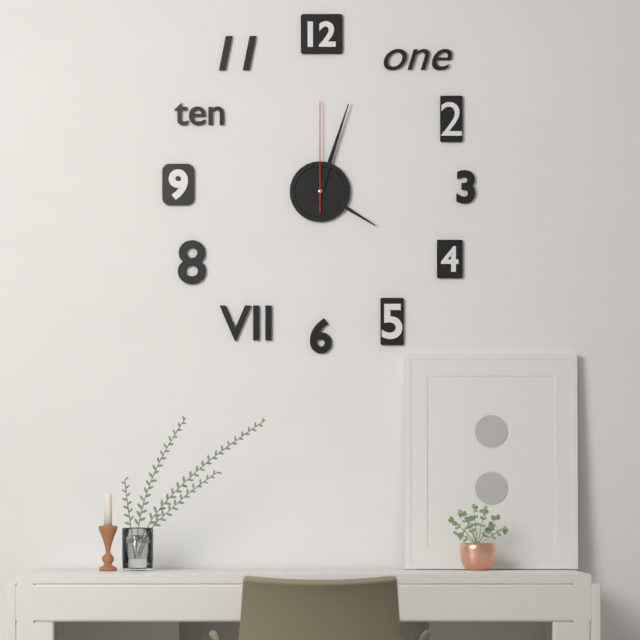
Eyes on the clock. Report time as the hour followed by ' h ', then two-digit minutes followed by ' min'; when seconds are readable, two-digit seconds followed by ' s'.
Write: 4 h 03 min 00 s
